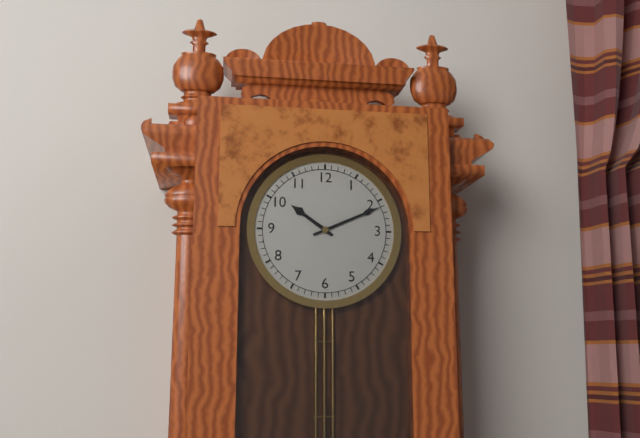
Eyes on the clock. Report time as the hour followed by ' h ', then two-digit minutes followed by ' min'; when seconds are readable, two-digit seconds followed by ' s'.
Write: 10 h 11 min
